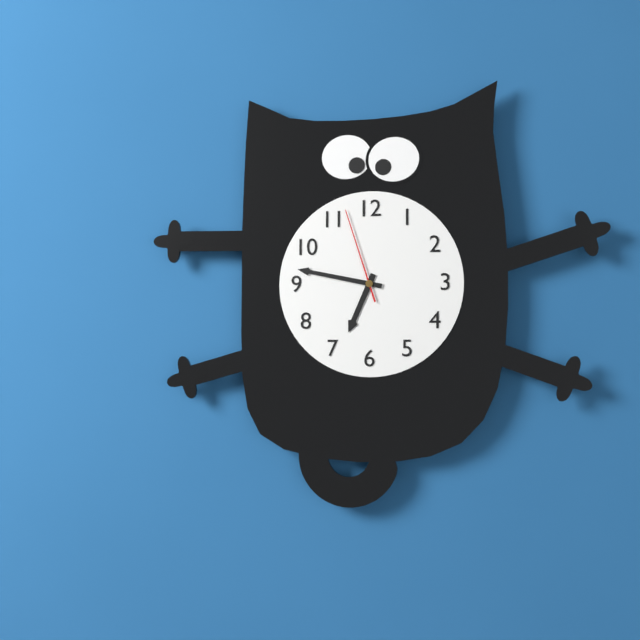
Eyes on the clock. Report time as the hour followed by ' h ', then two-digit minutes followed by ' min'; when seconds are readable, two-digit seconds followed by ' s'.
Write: 6 h 47 min 57 s
